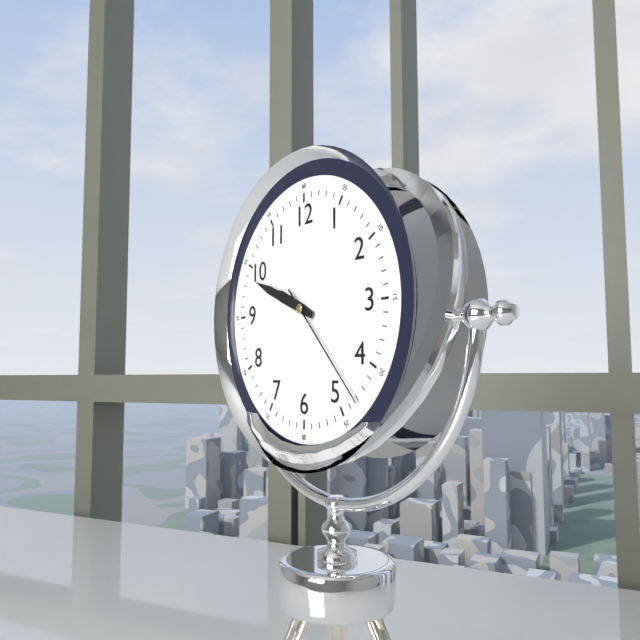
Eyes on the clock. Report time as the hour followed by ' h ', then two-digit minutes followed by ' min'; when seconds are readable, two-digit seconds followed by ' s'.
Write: 9 h 49 min 23 s
